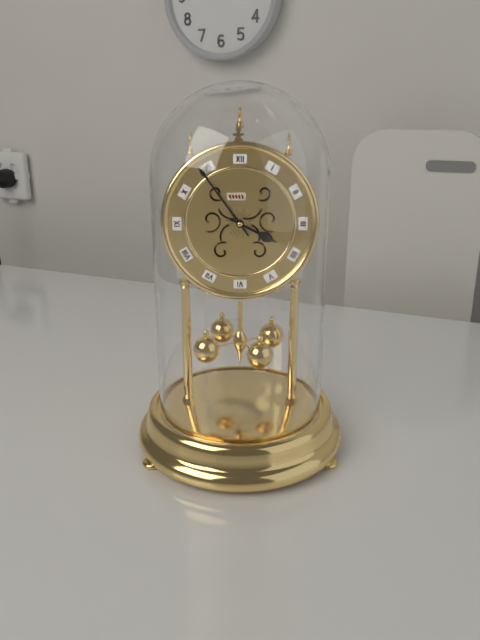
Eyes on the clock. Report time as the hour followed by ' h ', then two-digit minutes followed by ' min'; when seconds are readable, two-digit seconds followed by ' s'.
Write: 3 h 54 min
